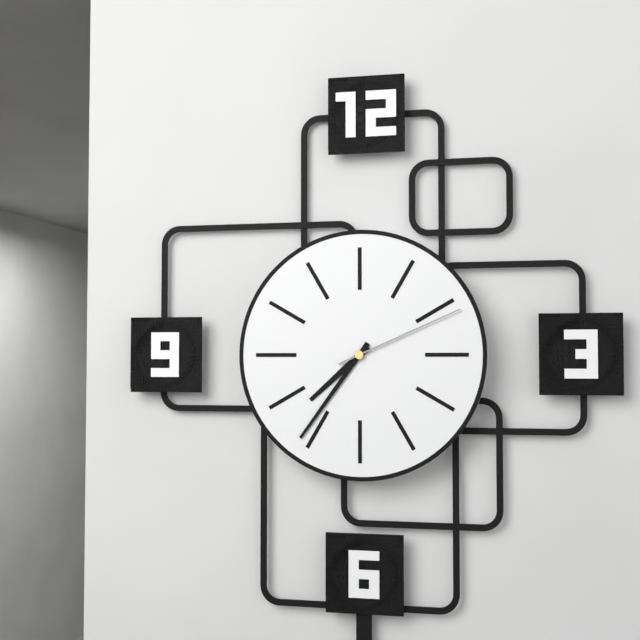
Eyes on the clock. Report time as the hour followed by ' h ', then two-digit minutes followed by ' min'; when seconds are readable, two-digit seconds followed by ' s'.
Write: 7 h 36 min 11 s
